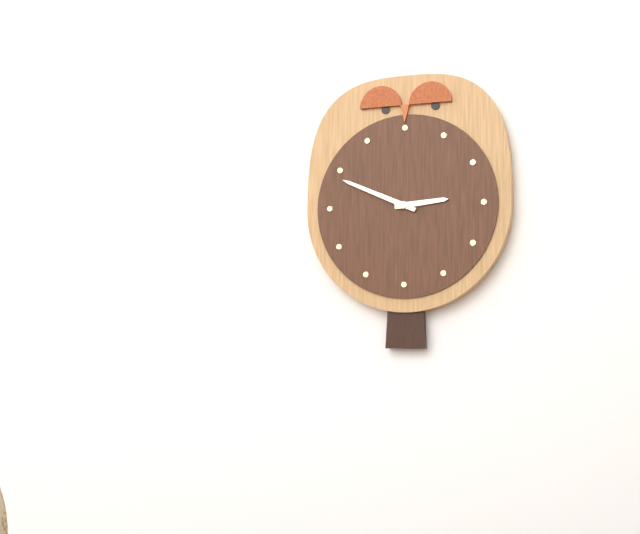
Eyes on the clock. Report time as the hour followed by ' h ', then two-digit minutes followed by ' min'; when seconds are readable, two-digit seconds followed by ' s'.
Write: 2 h 49 min
